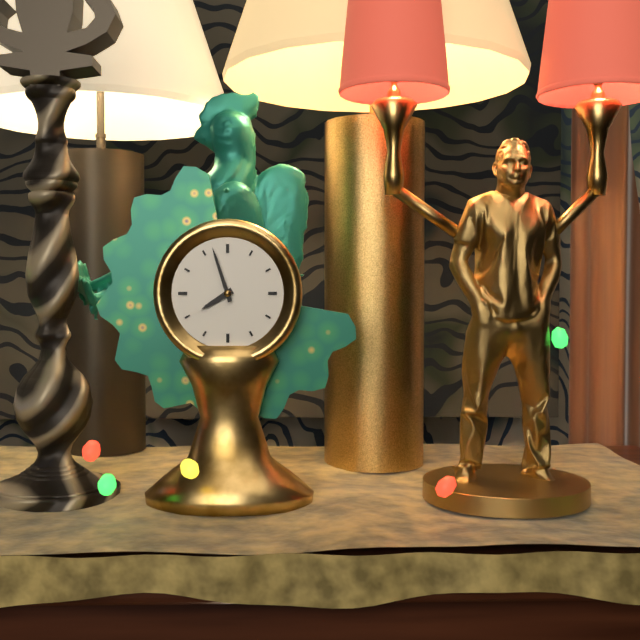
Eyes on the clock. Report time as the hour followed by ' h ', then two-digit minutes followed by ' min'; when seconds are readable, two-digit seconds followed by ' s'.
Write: 7 h 57 min
